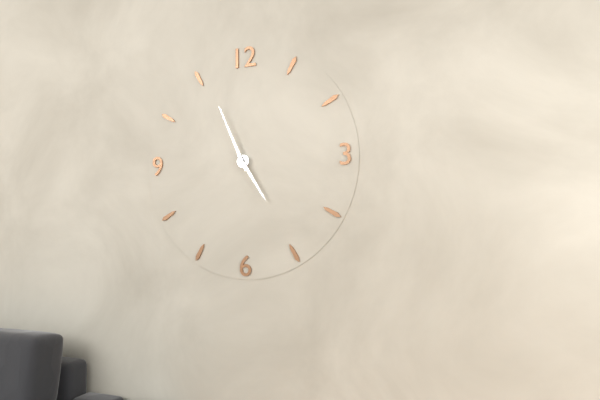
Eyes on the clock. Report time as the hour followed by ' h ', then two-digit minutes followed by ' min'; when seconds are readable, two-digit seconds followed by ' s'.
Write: 4 h 56 min
